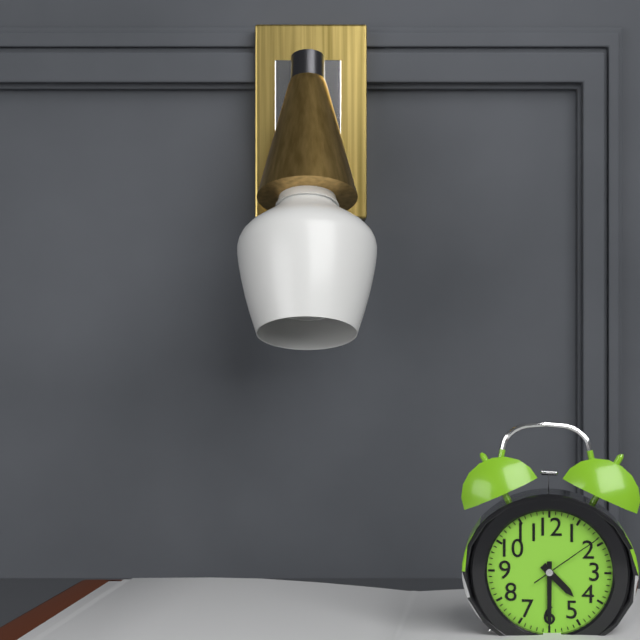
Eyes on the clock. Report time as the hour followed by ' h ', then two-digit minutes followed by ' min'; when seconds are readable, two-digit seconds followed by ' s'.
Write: 4 h 30 min 09 s
